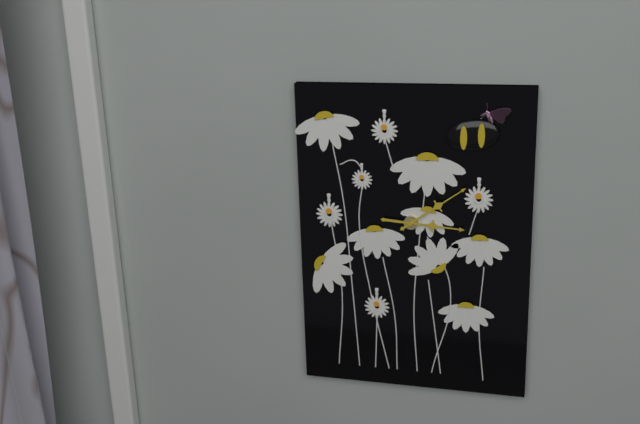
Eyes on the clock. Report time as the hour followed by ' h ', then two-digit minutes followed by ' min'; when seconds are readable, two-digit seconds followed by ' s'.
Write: 3 h 09 min
